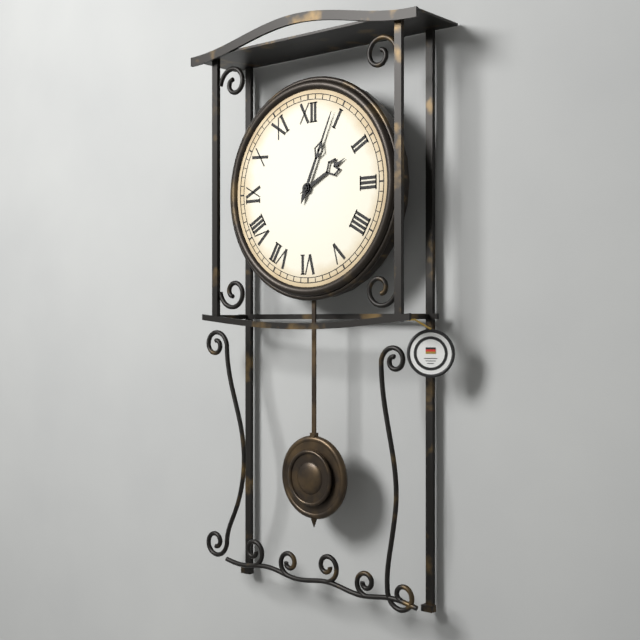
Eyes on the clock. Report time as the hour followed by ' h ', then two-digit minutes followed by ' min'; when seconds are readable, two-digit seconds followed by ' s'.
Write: 2 h 04 min
